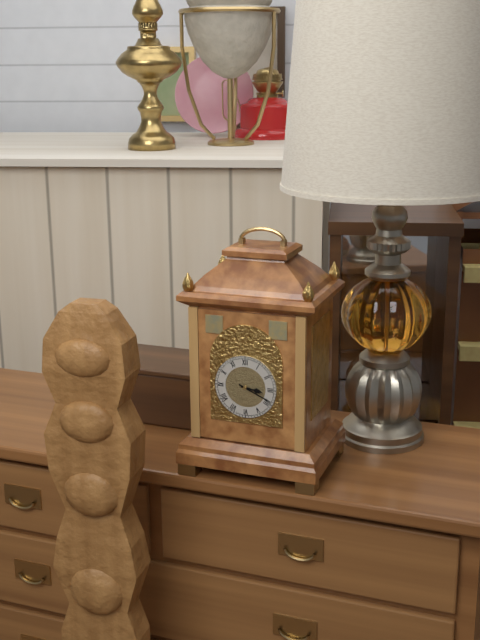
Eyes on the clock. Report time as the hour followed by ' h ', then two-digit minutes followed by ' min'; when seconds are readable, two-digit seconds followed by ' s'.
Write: 3 h 19 min
